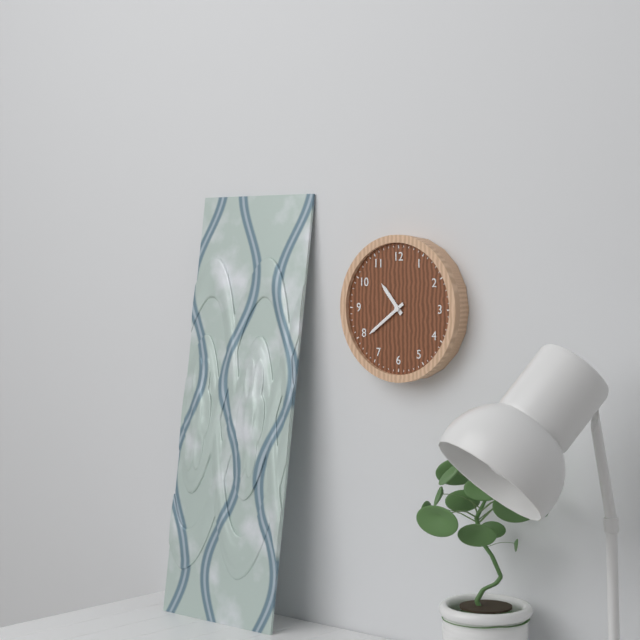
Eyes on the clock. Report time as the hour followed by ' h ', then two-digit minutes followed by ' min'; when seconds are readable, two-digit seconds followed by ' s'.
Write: 10 h 39 min
